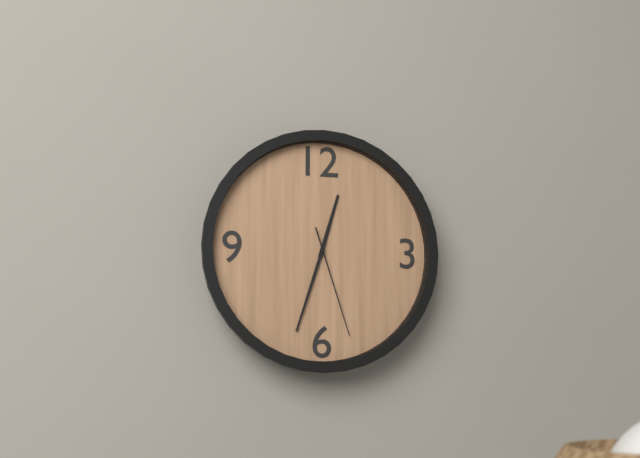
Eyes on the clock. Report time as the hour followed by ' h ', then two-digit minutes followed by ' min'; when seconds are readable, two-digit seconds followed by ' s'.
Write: 12 h 33 min 27 s
